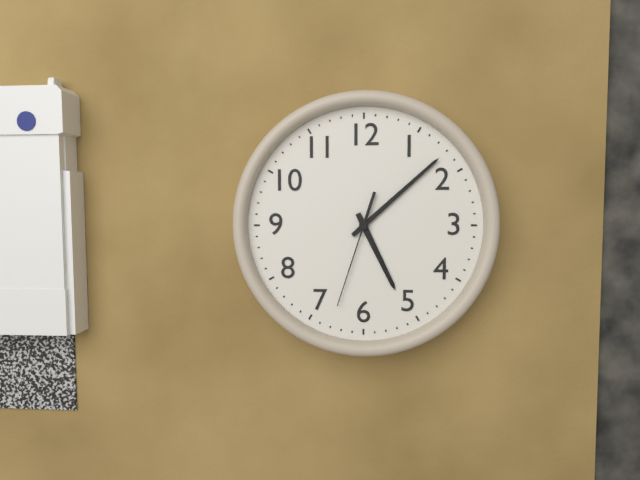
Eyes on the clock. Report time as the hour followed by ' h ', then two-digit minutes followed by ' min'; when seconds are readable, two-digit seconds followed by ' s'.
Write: 5 h 08 min 33 s
